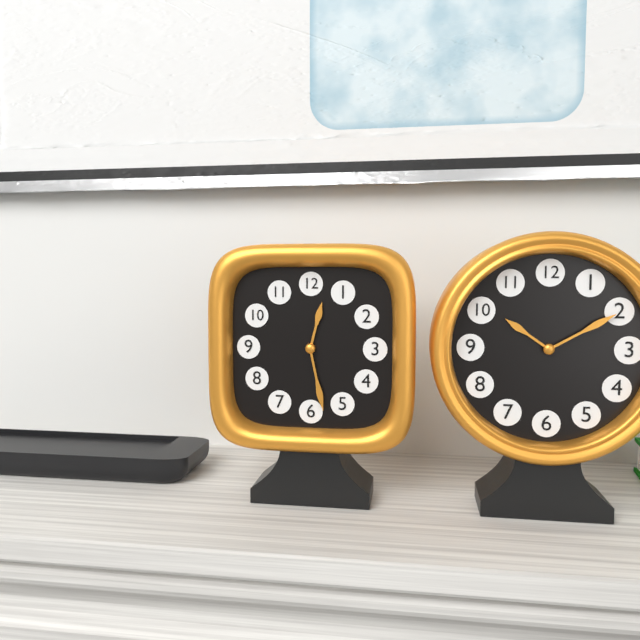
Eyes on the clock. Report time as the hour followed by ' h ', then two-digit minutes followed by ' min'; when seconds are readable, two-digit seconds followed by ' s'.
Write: 12 h 28 min
